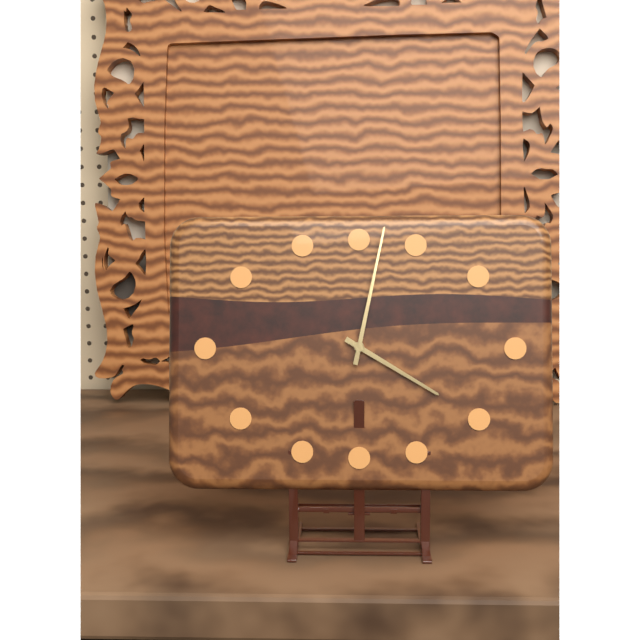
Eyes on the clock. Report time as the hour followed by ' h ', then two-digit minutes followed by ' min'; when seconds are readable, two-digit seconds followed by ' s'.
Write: 4 h 02 min
